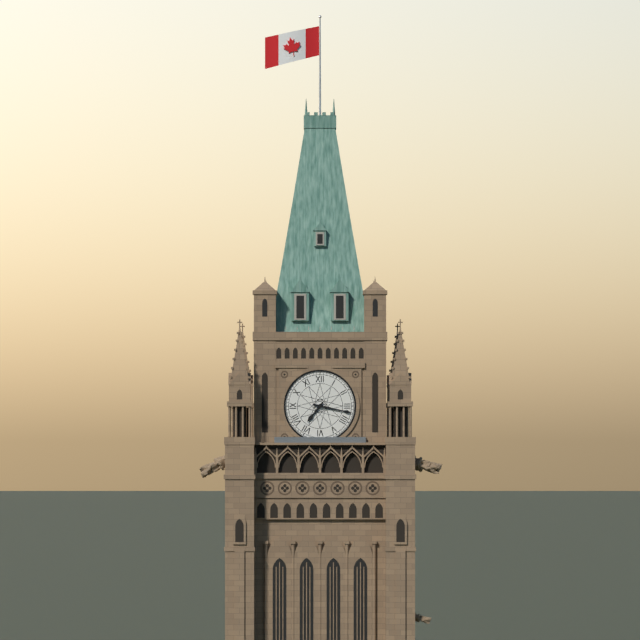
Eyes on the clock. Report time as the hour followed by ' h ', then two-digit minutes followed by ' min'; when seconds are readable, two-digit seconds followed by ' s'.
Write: 7 h 17 min
